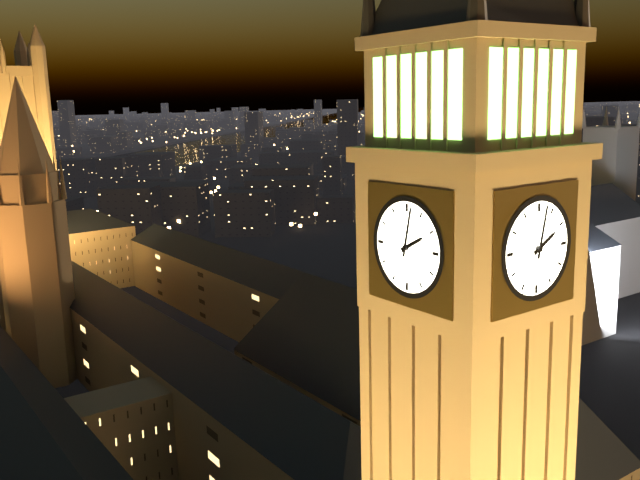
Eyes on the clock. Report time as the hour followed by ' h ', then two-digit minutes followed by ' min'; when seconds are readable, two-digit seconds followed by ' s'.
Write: 2 h 02 min
